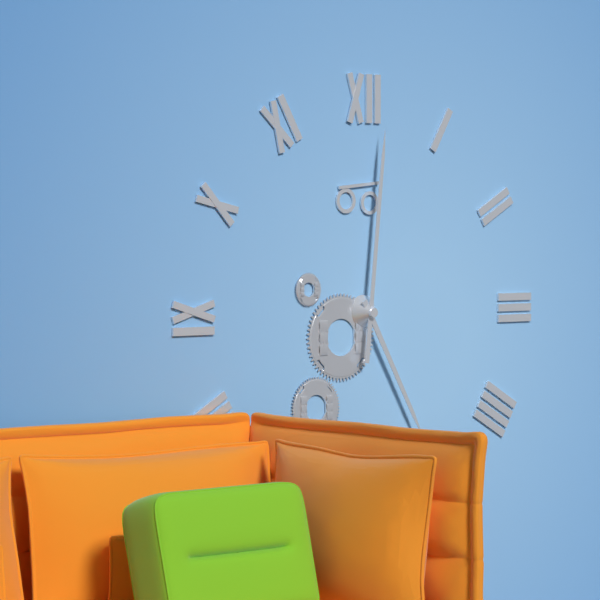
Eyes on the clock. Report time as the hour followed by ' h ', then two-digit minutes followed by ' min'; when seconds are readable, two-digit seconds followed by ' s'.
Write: 5 h 01 min
